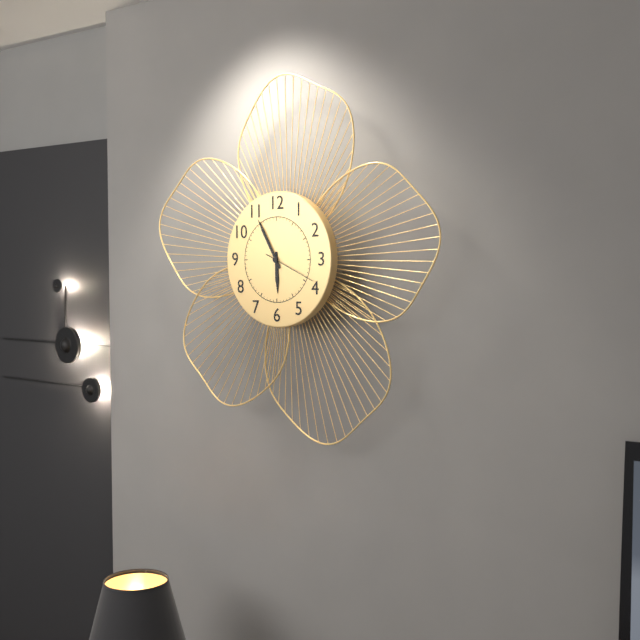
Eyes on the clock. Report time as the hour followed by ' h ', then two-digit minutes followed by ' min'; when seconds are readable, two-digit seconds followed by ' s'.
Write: 5 h 55 min 19 s
